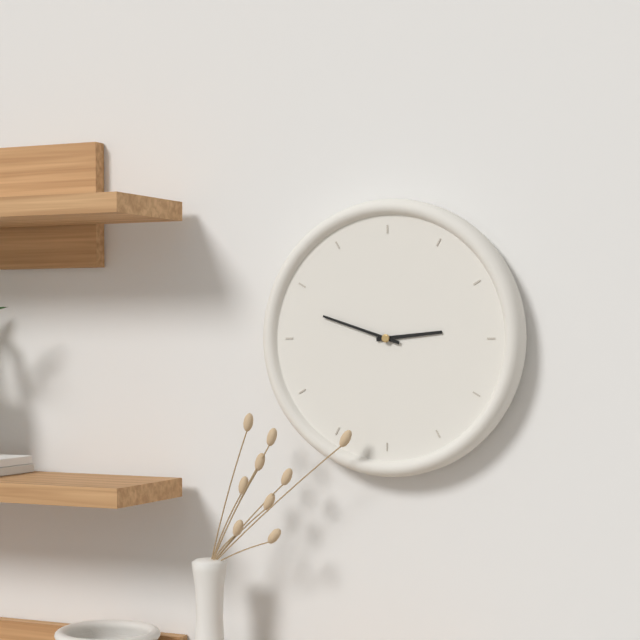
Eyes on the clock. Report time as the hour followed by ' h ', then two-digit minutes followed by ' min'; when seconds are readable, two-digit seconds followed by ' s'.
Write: 2 h 48 min
